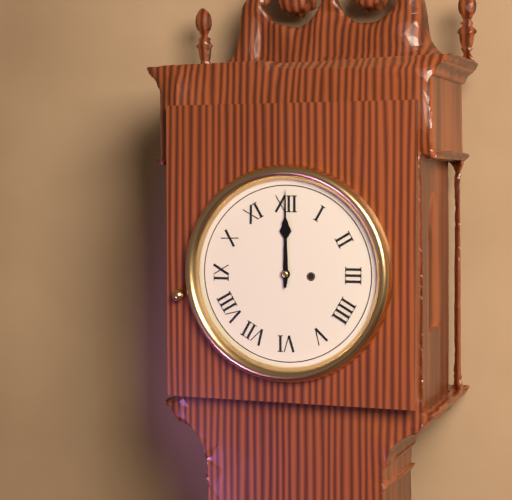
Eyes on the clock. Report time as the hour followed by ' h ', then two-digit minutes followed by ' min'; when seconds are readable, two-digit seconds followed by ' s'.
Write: 12 h 00 min
